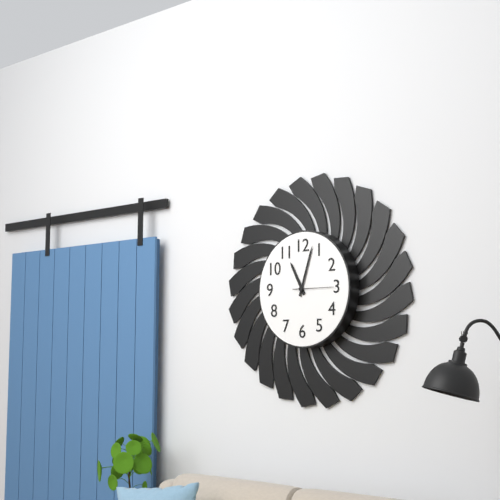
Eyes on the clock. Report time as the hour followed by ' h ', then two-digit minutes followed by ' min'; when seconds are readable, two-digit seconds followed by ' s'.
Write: 11 h 03 min
